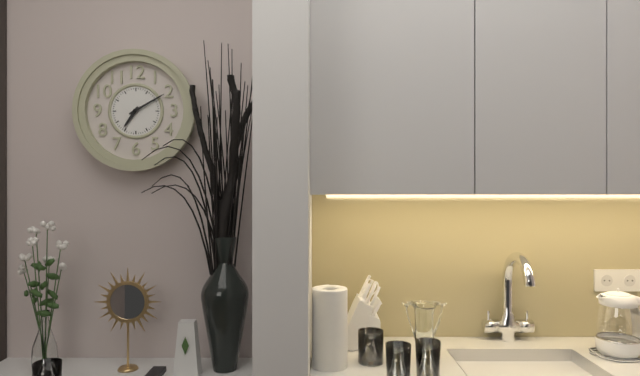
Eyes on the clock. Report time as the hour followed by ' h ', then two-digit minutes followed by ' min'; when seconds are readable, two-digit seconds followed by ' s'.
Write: 7 h 10 min
